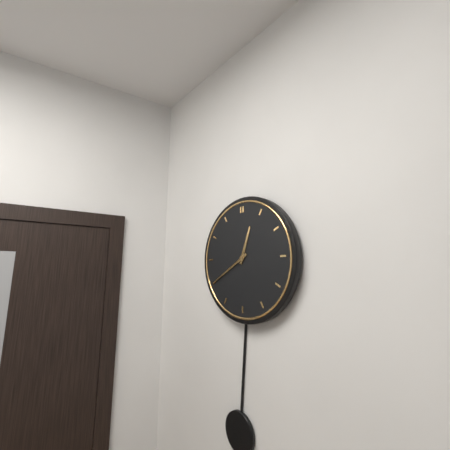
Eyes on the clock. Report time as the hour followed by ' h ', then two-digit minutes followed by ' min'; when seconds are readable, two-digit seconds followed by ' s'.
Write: 12 h 40 min
